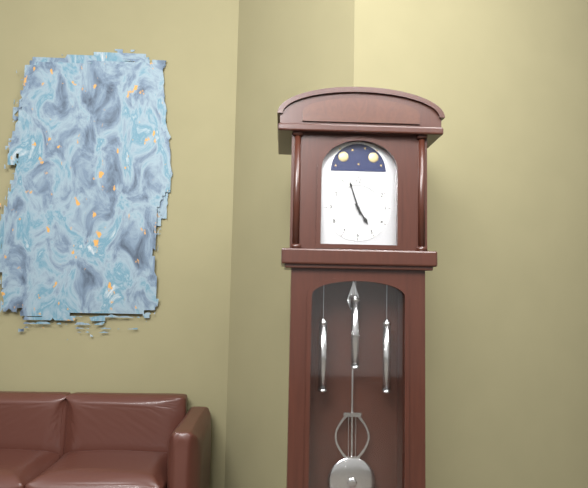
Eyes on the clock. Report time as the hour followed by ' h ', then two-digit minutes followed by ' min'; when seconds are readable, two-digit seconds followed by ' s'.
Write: 4 h 57 min
